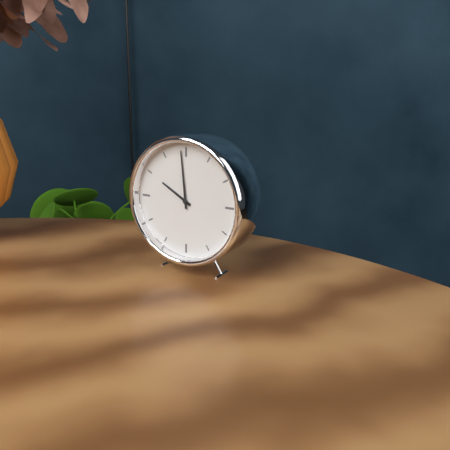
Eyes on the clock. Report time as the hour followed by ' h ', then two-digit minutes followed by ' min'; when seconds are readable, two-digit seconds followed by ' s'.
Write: 9 h 59 min
